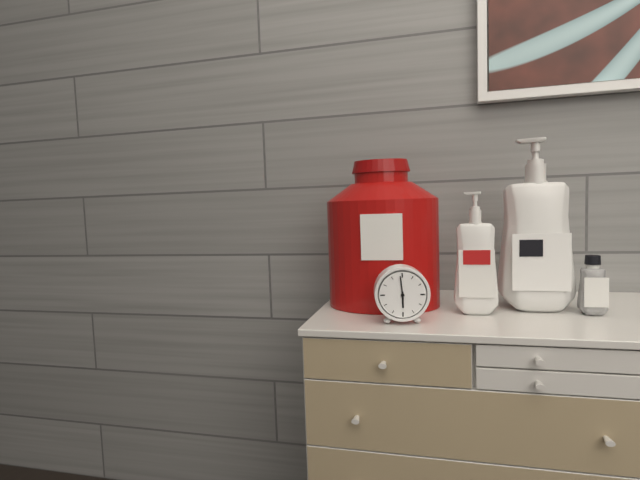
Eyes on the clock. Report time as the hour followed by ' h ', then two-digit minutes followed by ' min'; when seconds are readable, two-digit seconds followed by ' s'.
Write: 5 h 59 min
